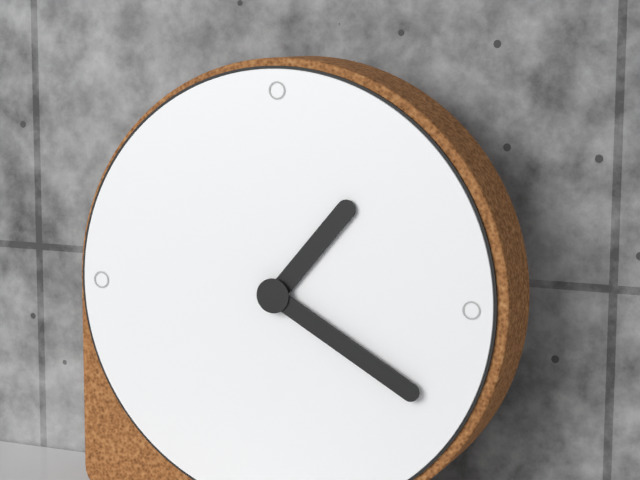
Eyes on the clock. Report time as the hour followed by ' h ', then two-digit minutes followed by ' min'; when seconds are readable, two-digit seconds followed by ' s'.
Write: 1 h 20 min
